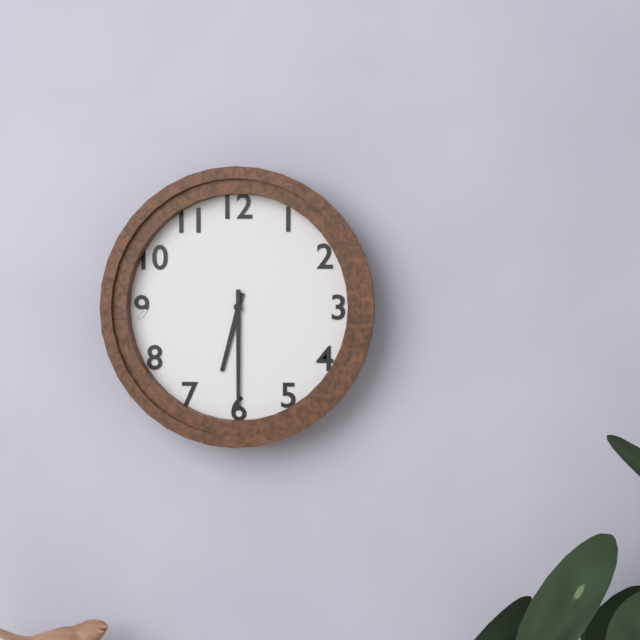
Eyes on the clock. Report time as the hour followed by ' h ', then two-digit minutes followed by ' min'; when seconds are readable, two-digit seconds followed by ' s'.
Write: 6 h 30 min
